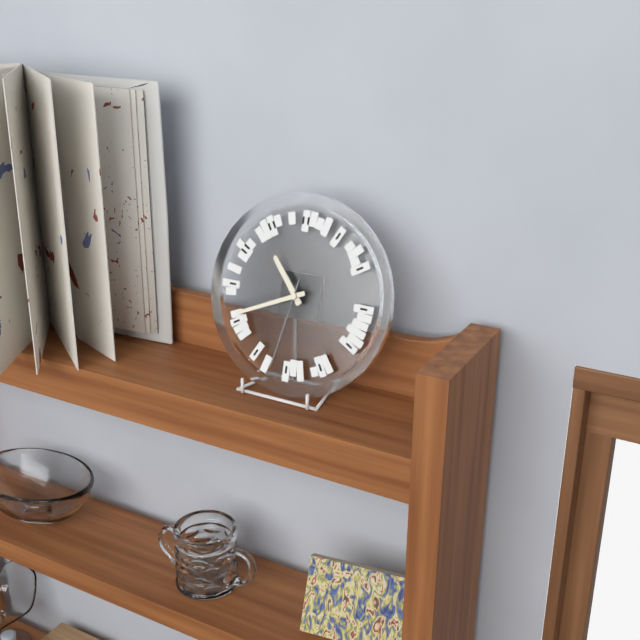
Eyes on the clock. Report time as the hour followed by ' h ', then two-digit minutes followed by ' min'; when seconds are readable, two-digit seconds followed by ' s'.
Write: 10 h 41 min 32 s
